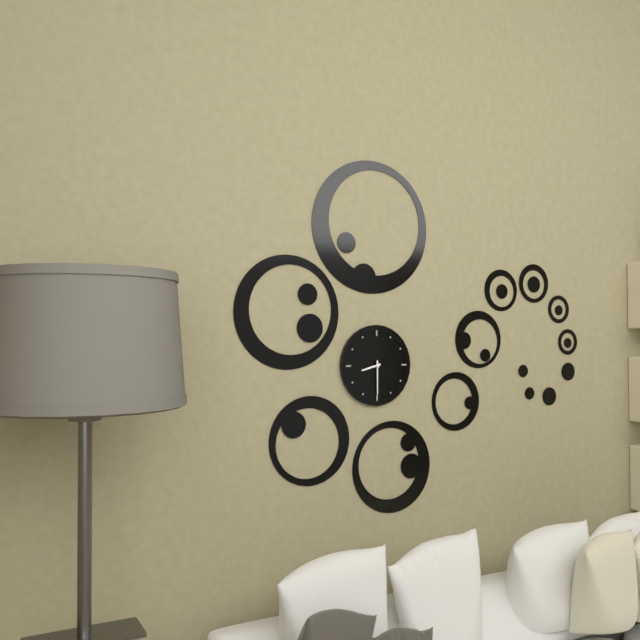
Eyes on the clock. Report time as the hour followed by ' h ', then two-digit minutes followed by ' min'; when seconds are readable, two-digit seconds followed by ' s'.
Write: 8 h 30 min
